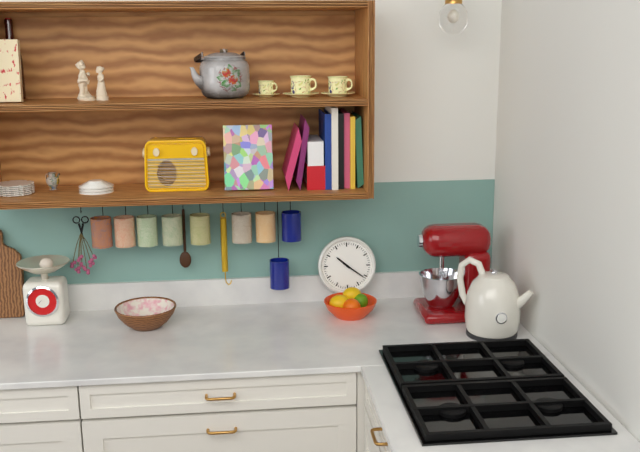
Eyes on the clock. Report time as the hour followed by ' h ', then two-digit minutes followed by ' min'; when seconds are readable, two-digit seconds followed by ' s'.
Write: 10 h 21 min
